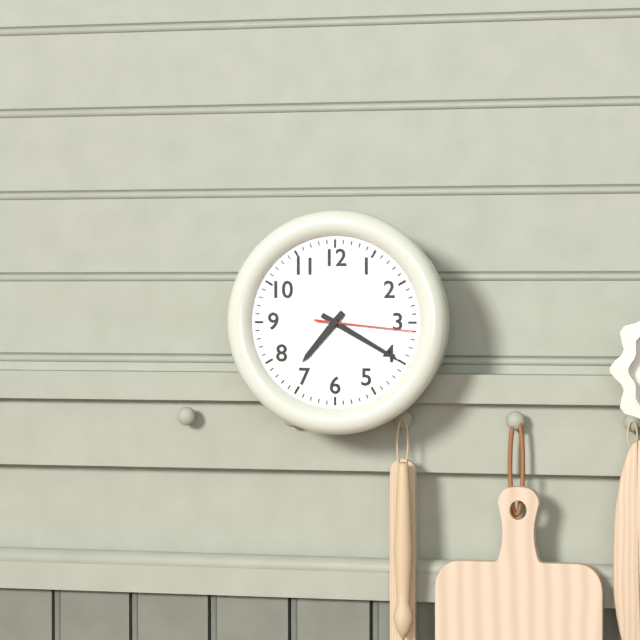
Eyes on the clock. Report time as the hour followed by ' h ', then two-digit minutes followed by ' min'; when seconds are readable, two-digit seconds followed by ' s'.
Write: 7 h 20 min 16 s
